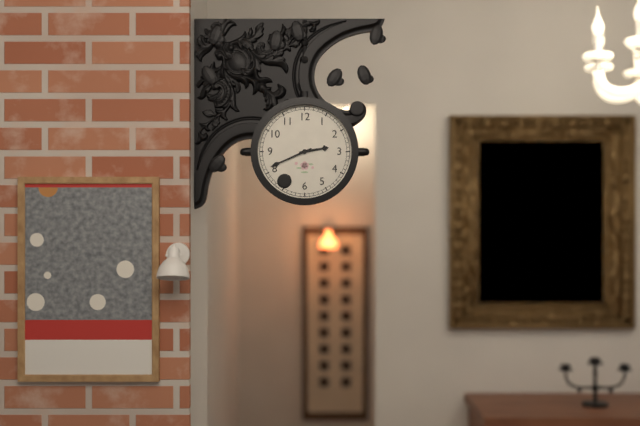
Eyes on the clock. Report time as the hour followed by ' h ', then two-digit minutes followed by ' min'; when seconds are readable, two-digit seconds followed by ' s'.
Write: 2 h 41 min
